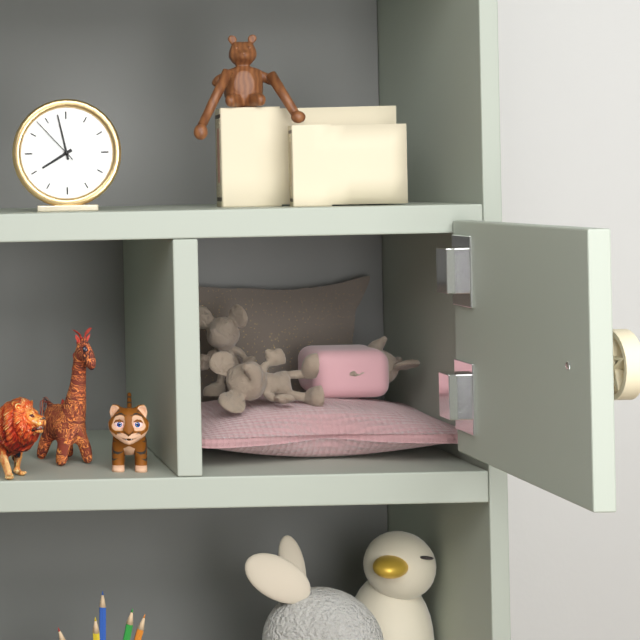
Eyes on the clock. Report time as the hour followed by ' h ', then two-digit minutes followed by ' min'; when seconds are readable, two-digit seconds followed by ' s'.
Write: 7 h 58 min 53 s
